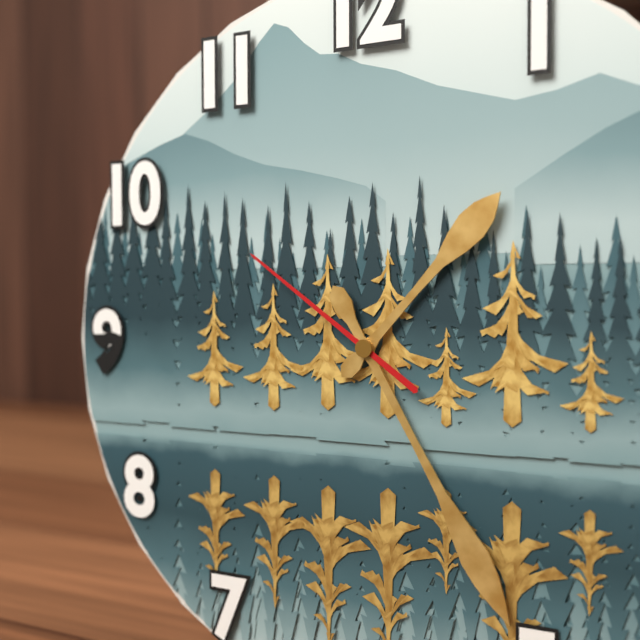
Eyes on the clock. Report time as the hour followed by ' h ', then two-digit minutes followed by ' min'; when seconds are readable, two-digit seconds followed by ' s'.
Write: 1 h 25 min 51 s
